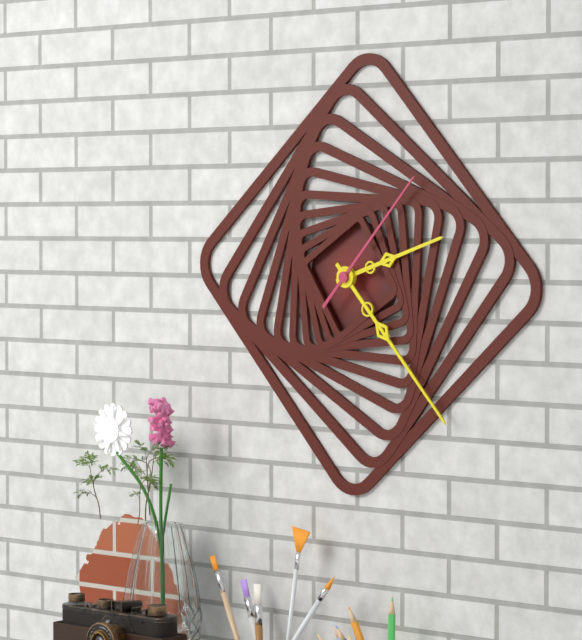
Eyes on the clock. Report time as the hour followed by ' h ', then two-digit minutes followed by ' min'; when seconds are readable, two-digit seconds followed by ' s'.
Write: 2 h 23 min 07 s
